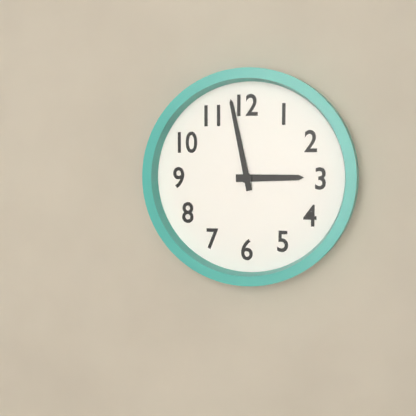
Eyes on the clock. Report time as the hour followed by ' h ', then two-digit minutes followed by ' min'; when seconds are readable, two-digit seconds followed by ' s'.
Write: 2 h 58 min
